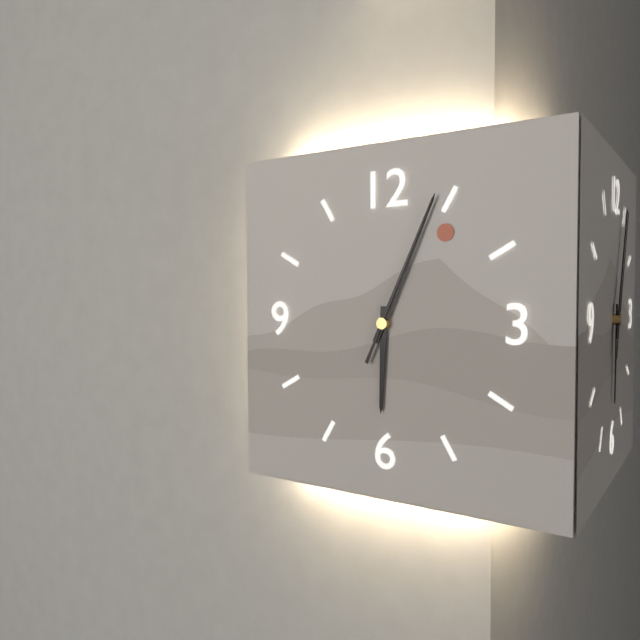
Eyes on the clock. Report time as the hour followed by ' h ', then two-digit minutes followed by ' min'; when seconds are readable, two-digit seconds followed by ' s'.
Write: 6 h 04 min 04 s
